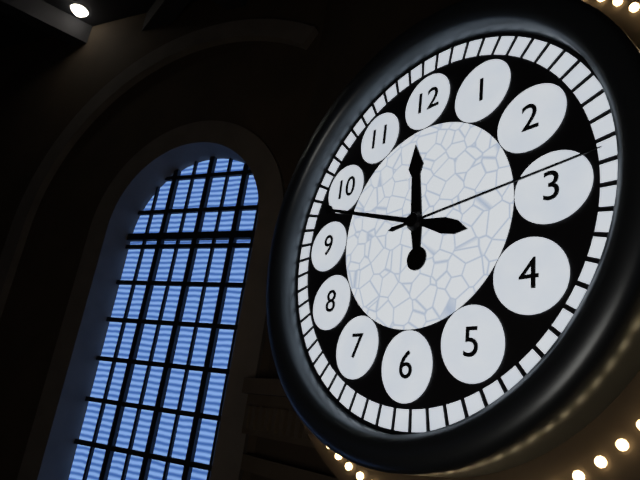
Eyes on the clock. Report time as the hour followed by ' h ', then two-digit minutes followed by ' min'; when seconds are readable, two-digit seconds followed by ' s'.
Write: 11 h 48 min 14 s
